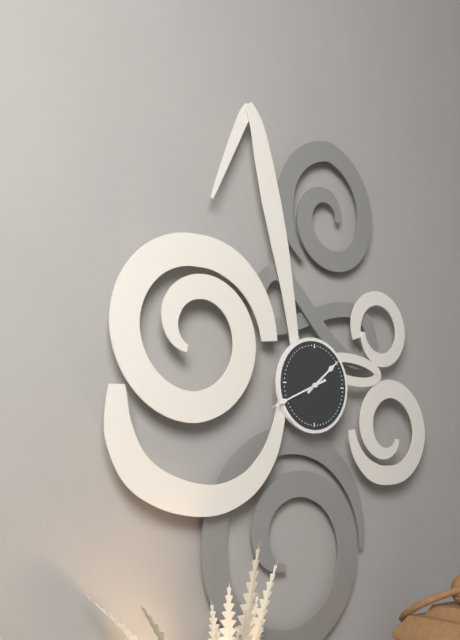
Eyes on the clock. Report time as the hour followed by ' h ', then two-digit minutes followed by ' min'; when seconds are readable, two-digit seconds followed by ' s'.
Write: 1 h 41 min
